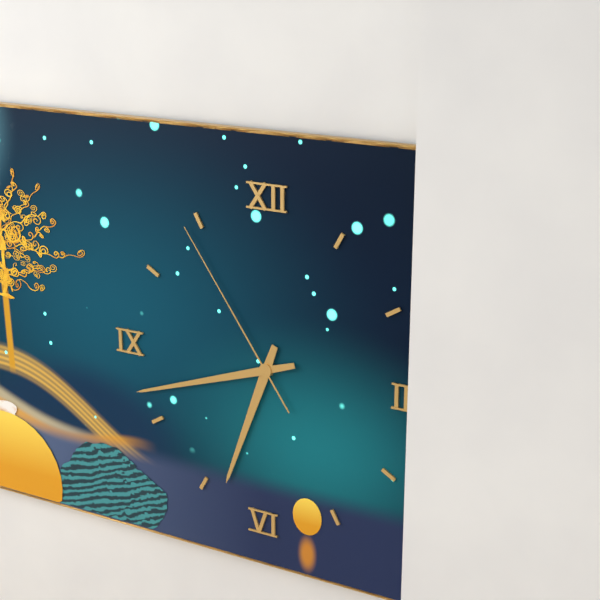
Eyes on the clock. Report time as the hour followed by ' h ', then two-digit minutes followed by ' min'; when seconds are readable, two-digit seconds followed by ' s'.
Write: 6 h 42 min 54 s
